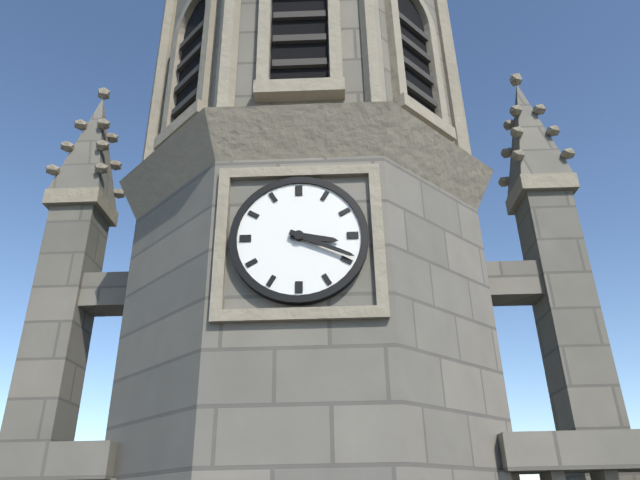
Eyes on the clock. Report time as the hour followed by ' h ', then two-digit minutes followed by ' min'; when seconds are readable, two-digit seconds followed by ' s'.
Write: 3 h 19 min
